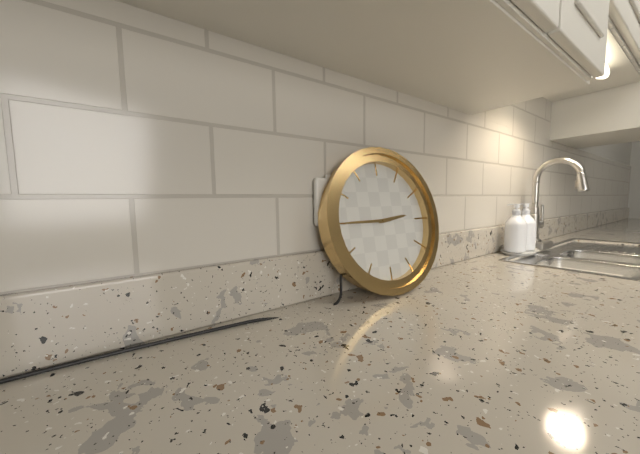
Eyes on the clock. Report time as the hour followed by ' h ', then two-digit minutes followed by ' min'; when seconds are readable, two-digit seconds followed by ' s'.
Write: 2 h 45 min
